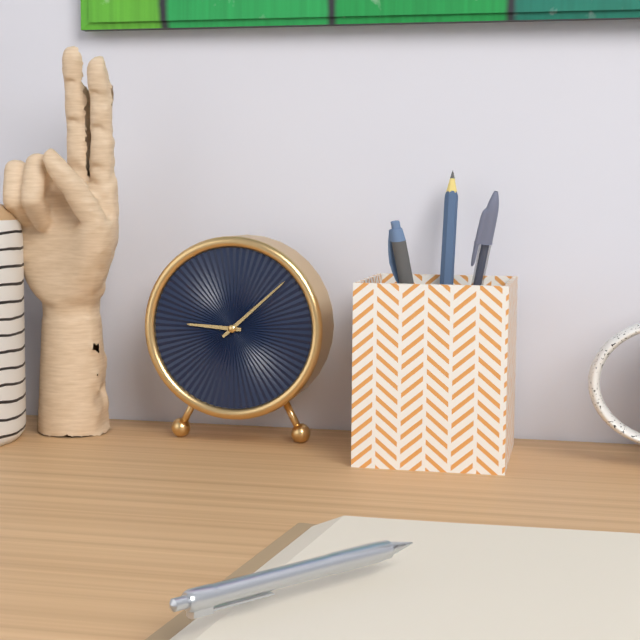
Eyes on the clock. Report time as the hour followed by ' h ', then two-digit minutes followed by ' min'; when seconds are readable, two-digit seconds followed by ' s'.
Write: 9 h 08 min
